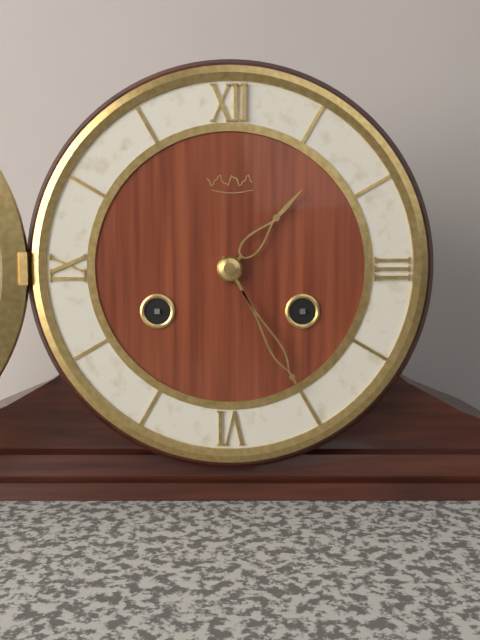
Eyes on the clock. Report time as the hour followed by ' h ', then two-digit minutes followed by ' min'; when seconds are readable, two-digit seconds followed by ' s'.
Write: 1 h 25 min
